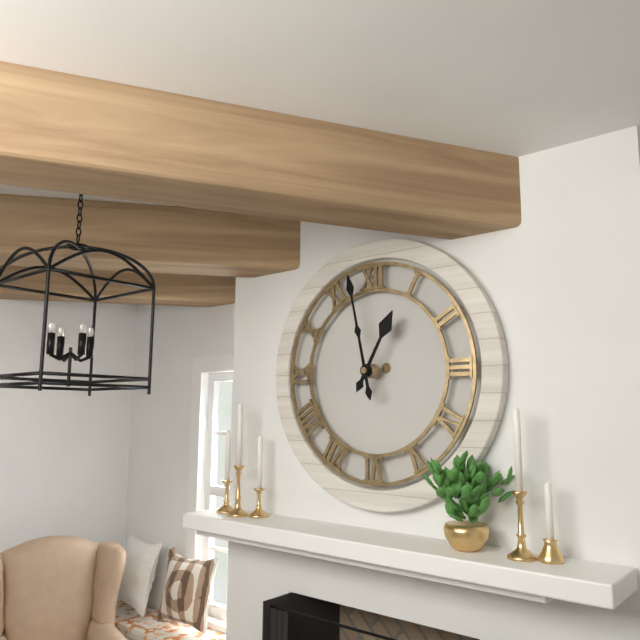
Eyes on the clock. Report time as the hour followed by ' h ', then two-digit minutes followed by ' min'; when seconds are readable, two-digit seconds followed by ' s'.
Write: 12 h 58 min
